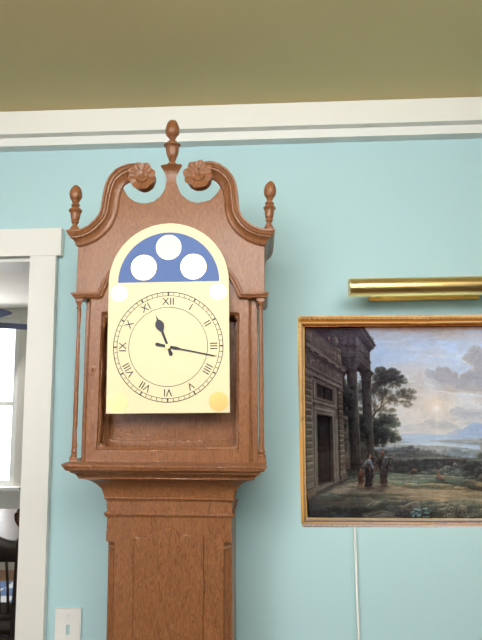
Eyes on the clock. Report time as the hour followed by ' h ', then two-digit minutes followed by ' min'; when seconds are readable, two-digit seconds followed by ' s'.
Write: 11 h 17 min
